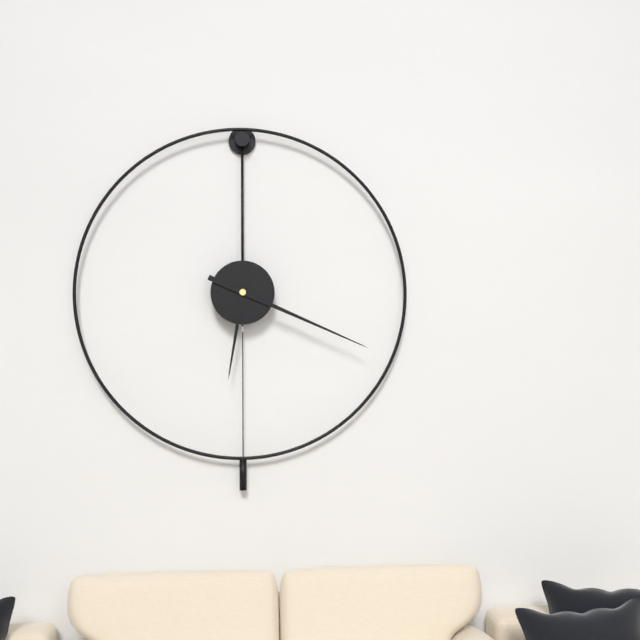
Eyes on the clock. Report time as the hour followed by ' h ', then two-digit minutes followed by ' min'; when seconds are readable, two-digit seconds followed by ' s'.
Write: 6 h 19 min
